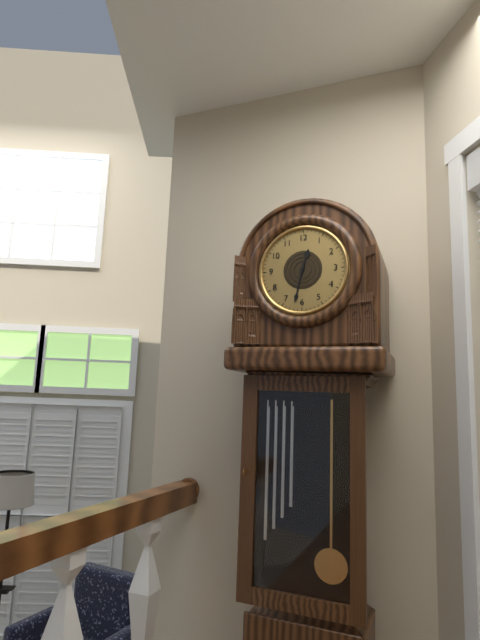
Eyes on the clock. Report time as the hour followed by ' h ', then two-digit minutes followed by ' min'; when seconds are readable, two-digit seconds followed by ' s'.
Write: 12 h 32 min
